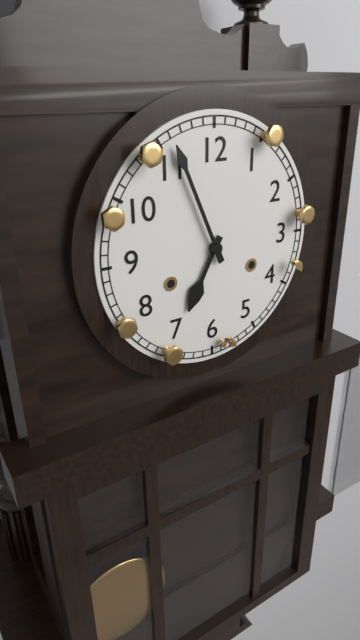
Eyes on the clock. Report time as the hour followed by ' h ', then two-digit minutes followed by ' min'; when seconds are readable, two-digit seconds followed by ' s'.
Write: 6 h 56 min
